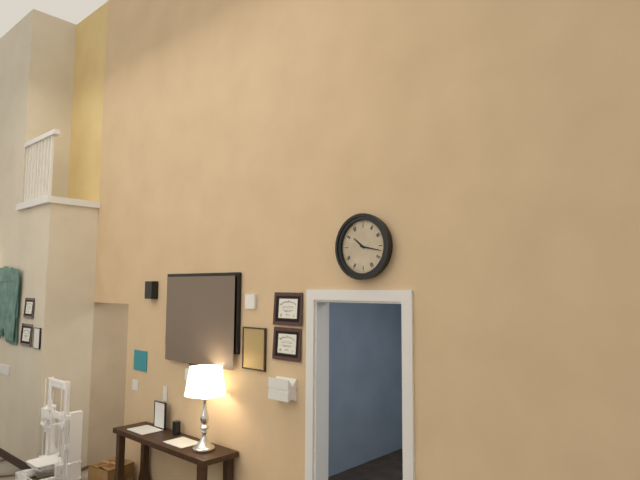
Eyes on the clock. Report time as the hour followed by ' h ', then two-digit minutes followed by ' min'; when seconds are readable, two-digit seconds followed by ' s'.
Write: 10 h 17 min
